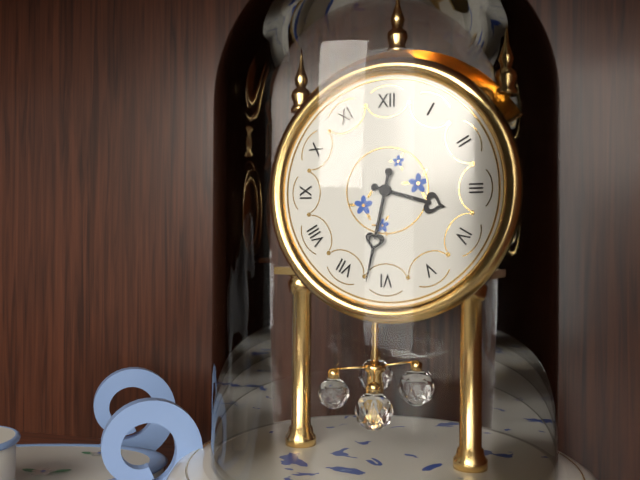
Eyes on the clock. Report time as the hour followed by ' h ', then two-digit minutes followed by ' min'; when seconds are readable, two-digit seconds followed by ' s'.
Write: 3 h 32 min
